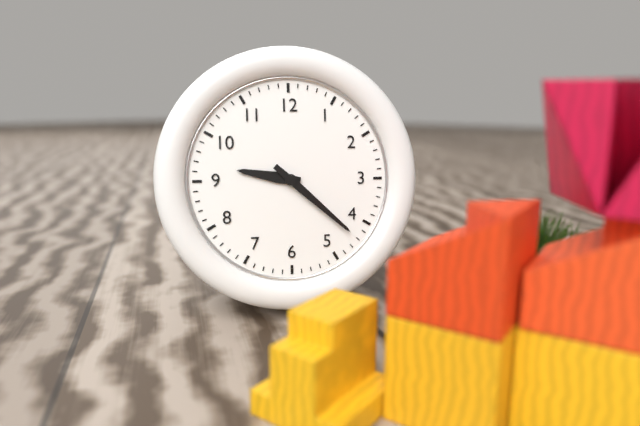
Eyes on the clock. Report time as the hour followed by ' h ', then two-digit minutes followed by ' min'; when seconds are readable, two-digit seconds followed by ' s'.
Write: 9 h 22 min
